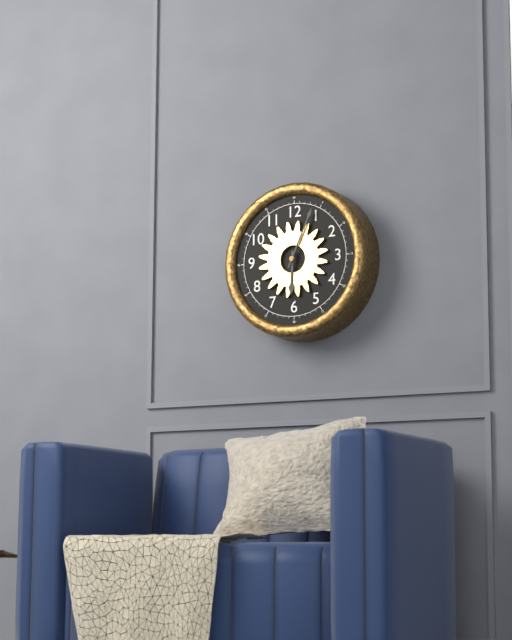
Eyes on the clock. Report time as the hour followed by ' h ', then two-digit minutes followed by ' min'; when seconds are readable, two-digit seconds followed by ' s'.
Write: 6 h 04 min
